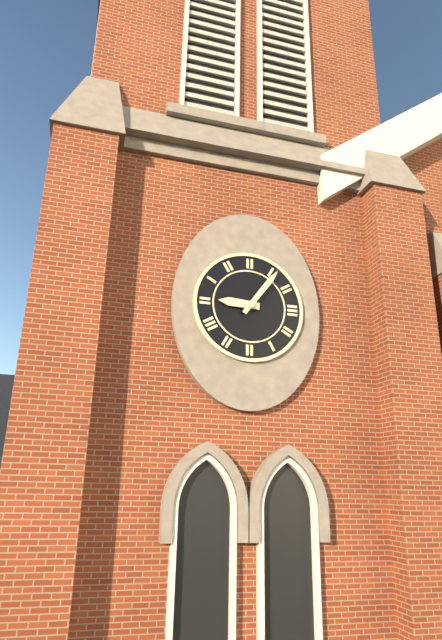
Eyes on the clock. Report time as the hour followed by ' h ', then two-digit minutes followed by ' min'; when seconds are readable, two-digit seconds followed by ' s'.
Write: 9 h 06 min
